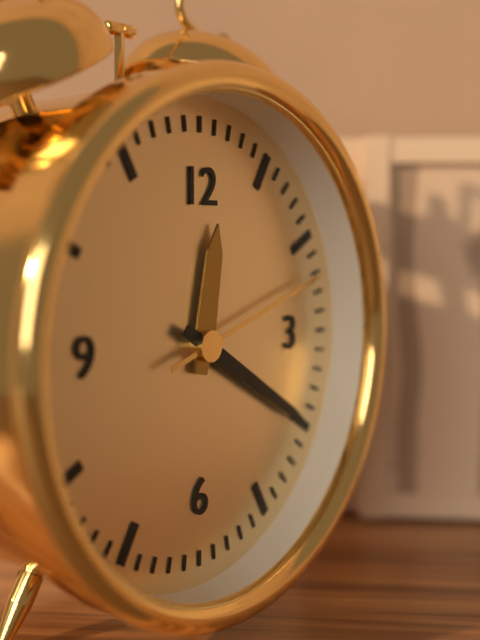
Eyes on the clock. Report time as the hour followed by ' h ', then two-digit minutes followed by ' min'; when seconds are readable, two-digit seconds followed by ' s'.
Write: 12 h 20 min 12 s
